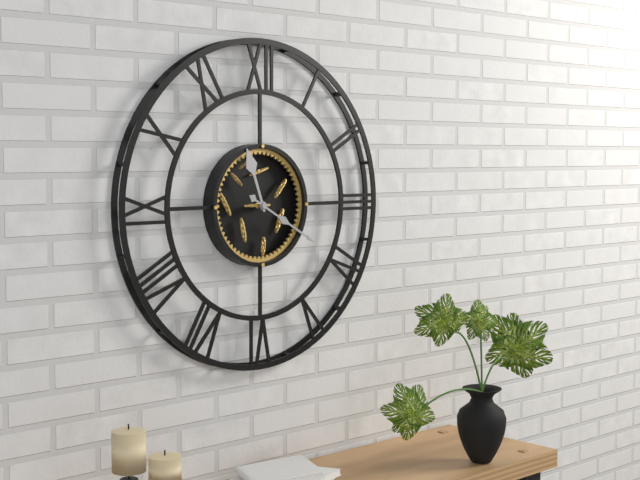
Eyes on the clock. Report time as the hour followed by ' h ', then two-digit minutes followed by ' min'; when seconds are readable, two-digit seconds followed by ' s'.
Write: 11 h 20 min
